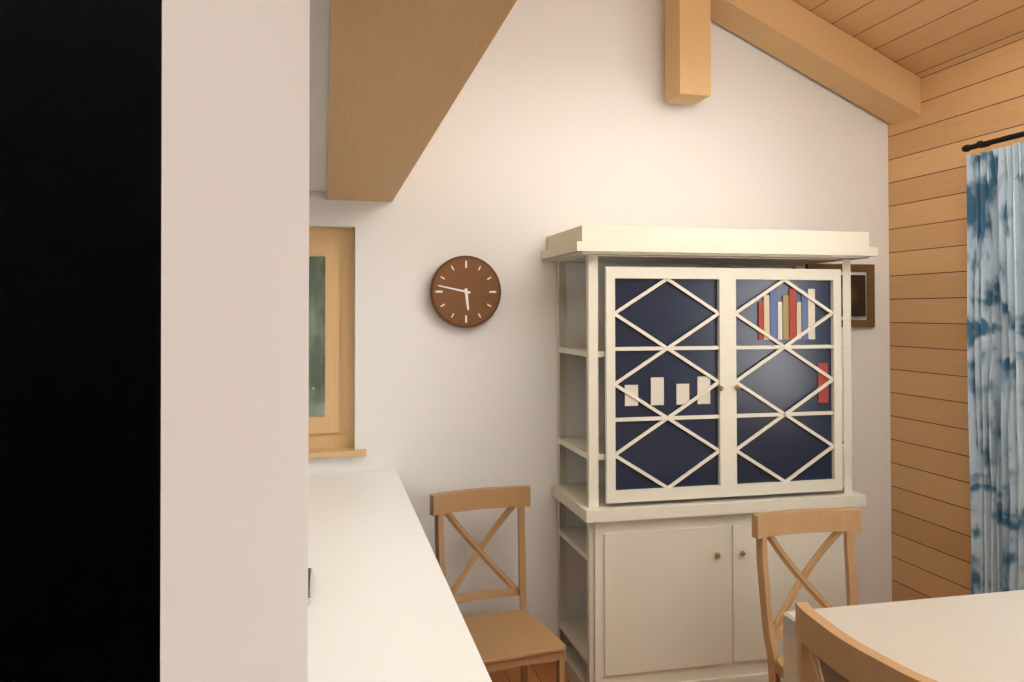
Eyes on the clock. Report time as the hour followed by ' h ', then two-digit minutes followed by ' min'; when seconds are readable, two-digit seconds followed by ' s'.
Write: 5 h 47 min
